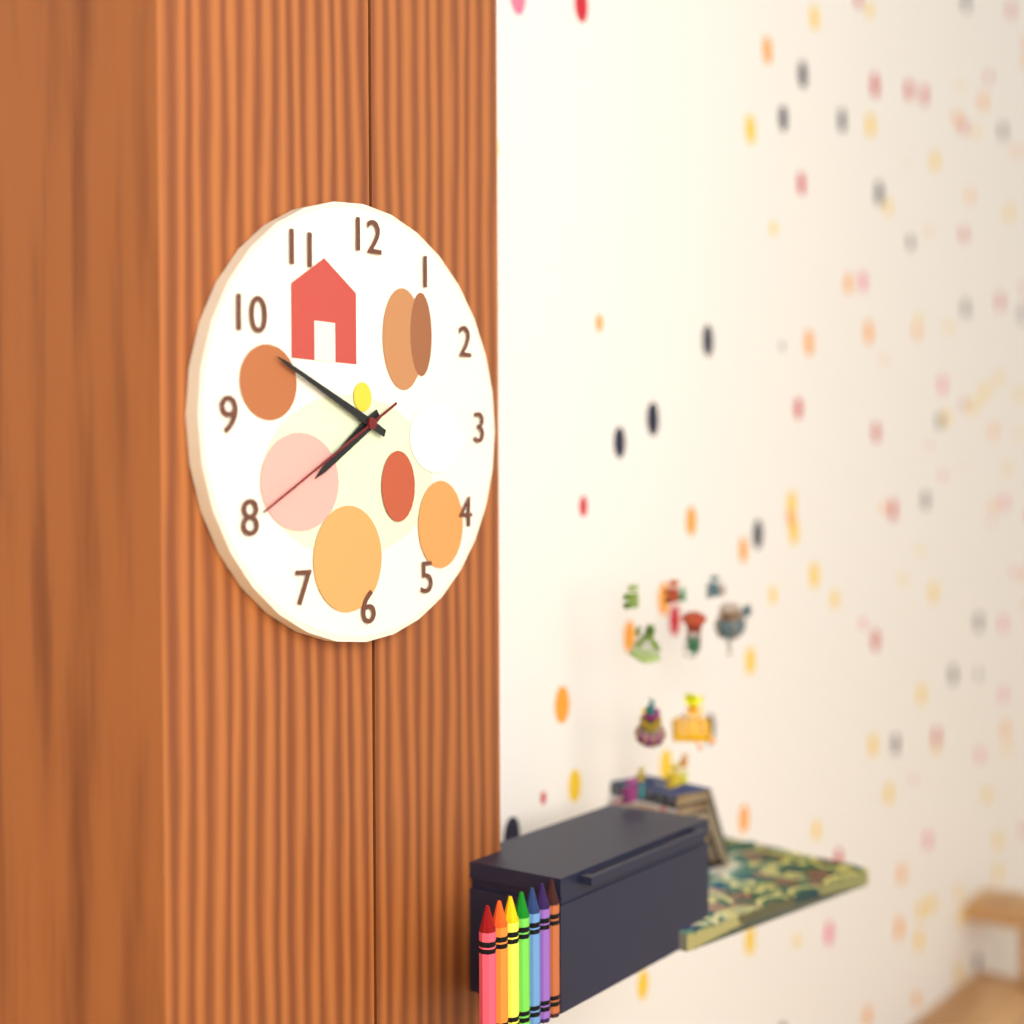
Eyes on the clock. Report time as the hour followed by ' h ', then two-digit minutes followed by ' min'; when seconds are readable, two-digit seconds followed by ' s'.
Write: 7 h 49 min 40 s
